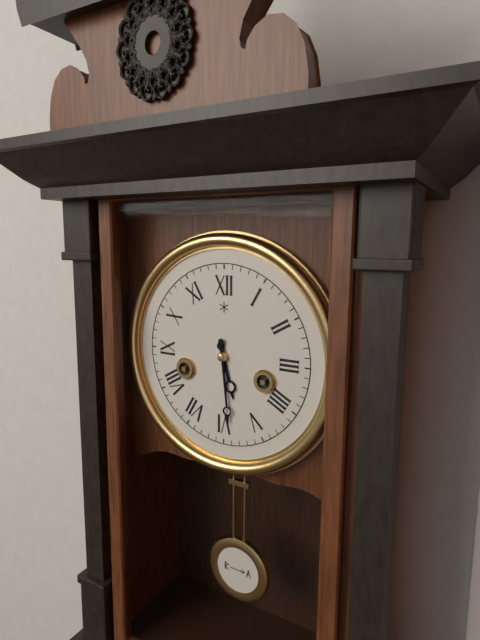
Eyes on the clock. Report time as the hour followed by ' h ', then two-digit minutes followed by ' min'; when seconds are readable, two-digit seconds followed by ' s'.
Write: 5 h 29 min
